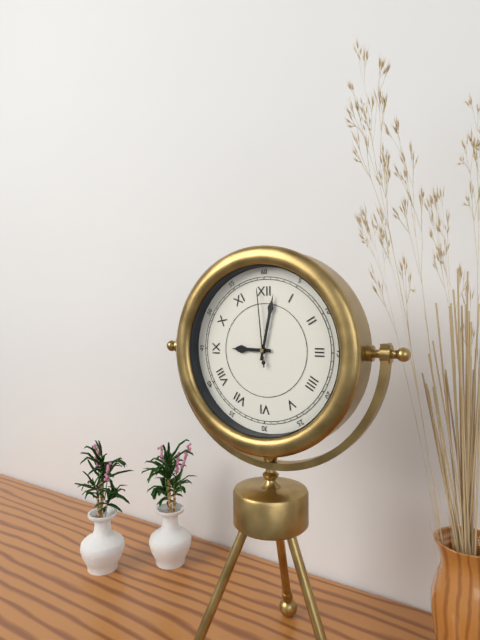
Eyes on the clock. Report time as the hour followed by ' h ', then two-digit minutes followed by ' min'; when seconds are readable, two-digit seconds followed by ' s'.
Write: 9 h 02 min 59 s
